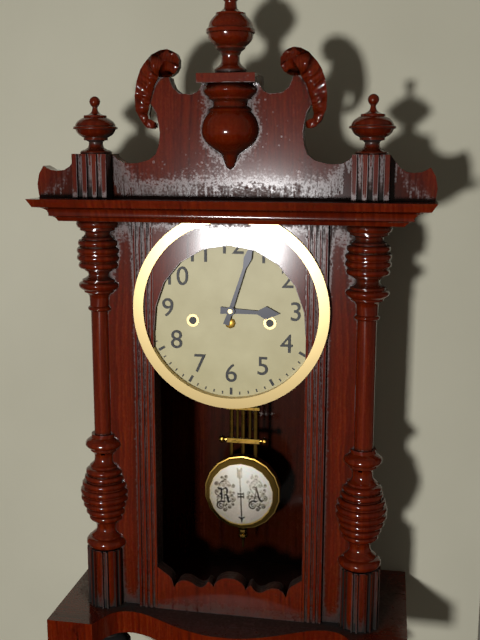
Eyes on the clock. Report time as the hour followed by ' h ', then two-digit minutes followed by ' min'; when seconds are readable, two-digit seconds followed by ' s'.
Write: 3 h 03 min
